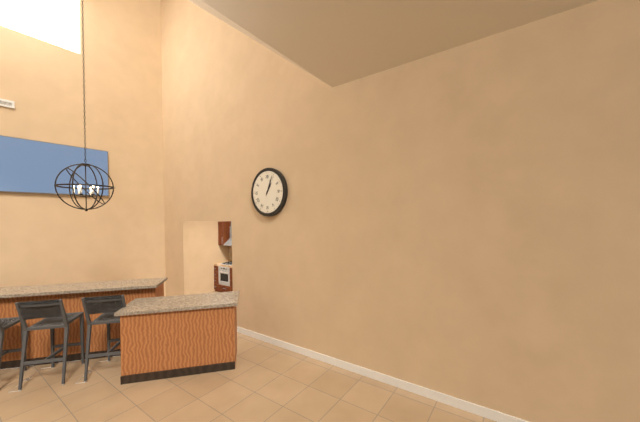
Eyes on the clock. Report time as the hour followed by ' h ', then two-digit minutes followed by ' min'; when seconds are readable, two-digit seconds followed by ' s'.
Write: 1 h 04 min
